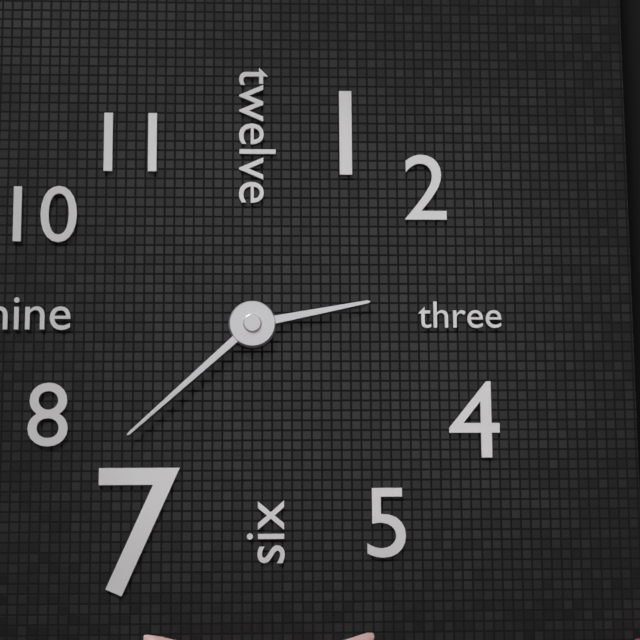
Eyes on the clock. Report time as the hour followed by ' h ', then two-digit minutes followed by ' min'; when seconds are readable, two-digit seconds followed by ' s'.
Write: 2 h 38 min
